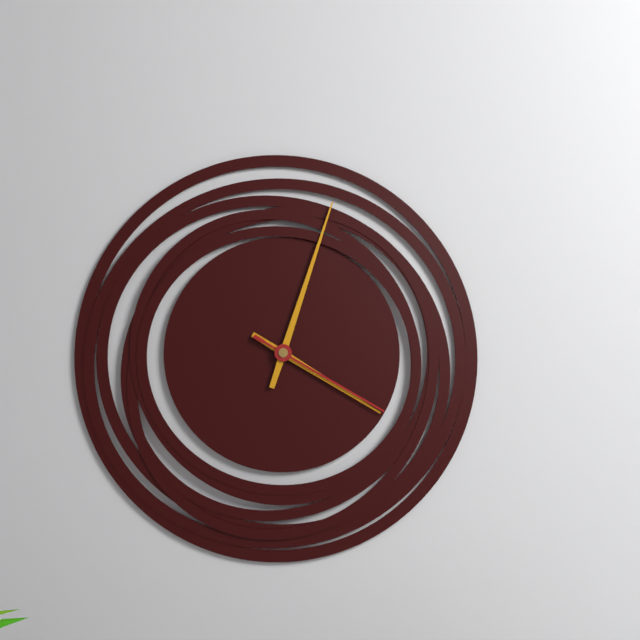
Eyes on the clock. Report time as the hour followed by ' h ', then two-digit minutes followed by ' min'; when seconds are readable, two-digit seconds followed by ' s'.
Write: 4 h 03 min 20 s
